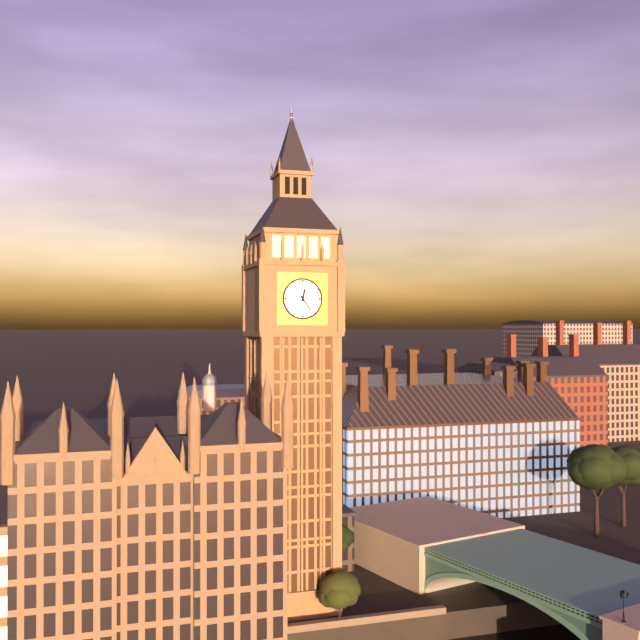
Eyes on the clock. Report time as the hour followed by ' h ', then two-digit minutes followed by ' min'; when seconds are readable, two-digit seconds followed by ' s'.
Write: 12 h 24 min
